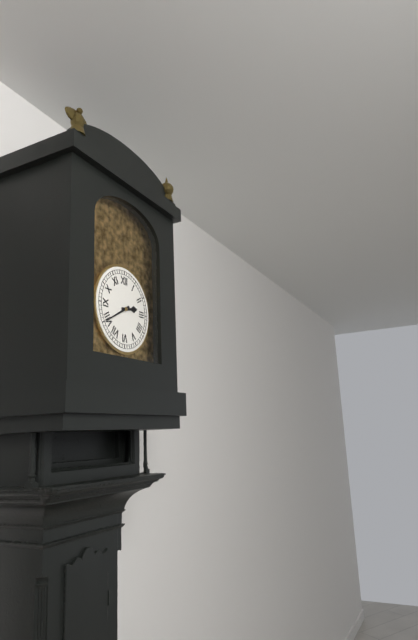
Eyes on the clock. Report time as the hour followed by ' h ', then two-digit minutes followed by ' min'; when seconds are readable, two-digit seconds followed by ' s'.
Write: 2 h 40 min
